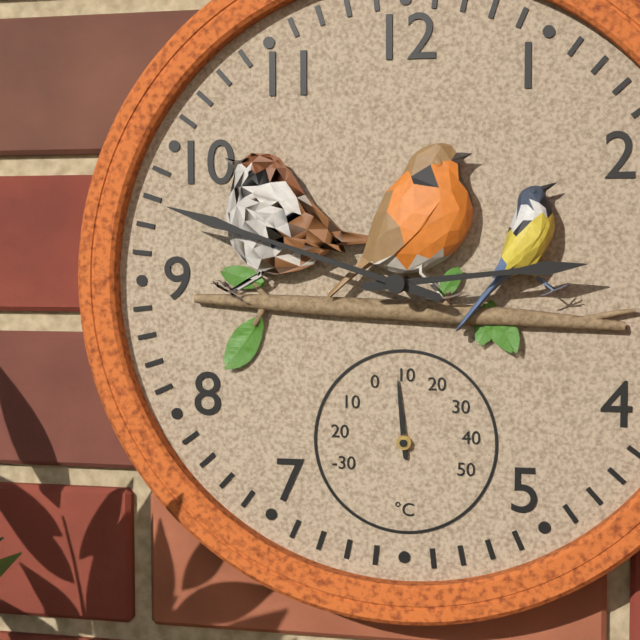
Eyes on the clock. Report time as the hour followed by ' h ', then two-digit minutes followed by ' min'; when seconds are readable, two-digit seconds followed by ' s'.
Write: 2 h 48 min
